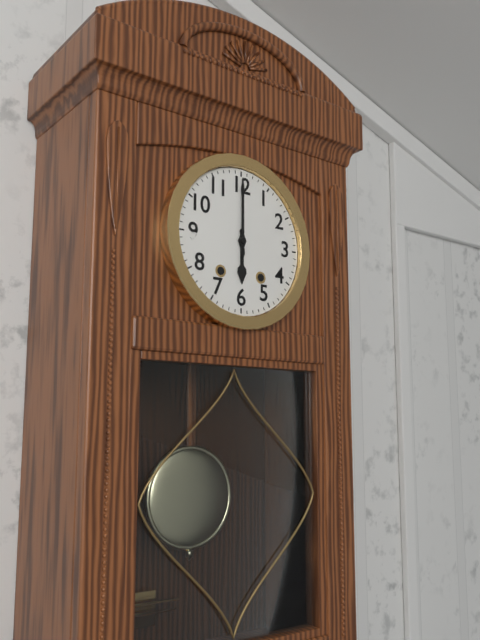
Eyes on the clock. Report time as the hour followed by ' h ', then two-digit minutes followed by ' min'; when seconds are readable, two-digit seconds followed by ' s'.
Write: 6 h 00 min
